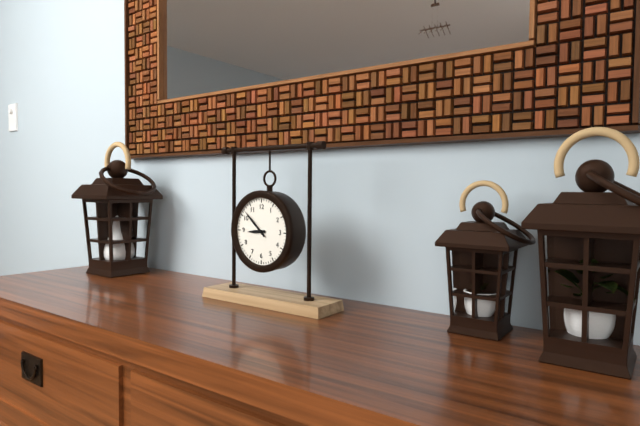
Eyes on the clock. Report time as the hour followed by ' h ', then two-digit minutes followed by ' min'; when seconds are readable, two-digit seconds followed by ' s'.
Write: 8 h 52 min
